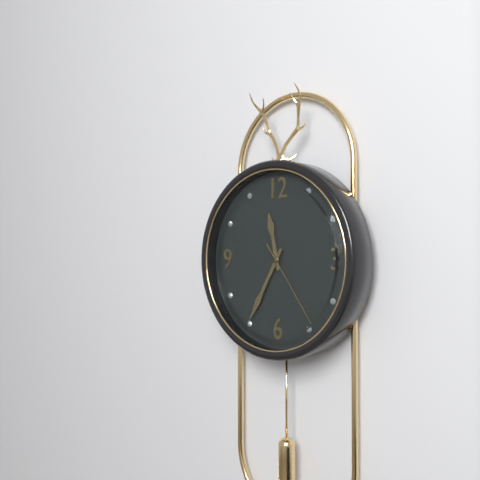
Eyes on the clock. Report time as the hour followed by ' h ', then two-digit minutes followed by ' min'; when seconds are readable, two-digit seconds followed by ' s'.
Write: 11 h 35 min 24 s
